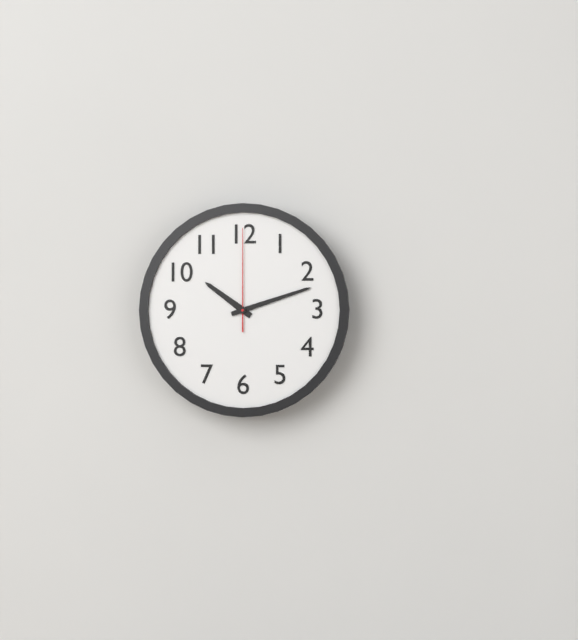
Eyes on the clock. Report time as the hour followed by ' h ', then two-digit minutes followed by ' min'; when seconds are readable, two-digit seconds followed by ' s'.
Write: 10 h 12 min 00 s
